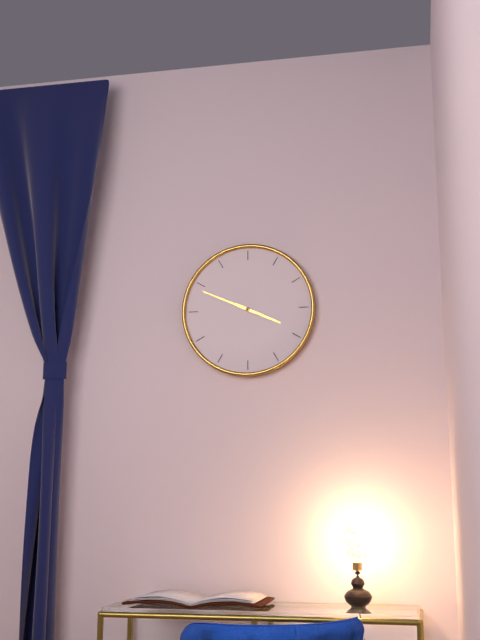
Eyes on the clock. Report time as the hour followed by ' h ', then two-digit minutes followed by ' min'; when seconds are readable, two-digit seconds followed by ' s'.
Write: 3 h 49 min
